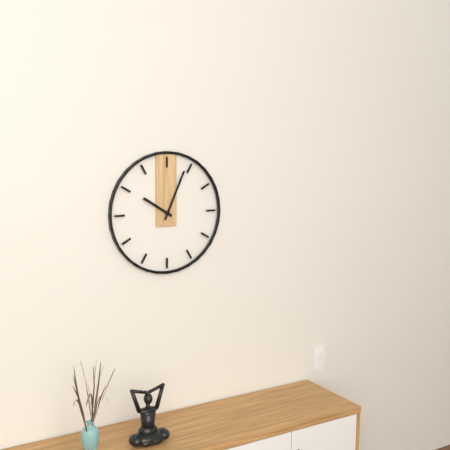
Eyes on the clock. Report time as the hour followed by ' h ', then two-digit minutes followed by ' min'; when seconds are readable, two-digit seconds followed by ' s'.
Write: 10 h 04 min
